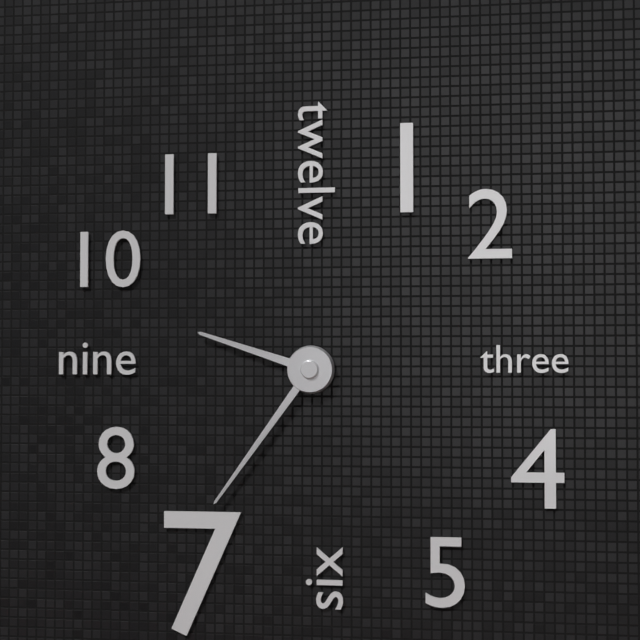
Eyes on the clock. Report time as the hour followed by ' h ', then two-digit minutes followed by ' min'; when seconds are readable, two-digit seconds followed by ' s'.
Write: 9 h 36 min
